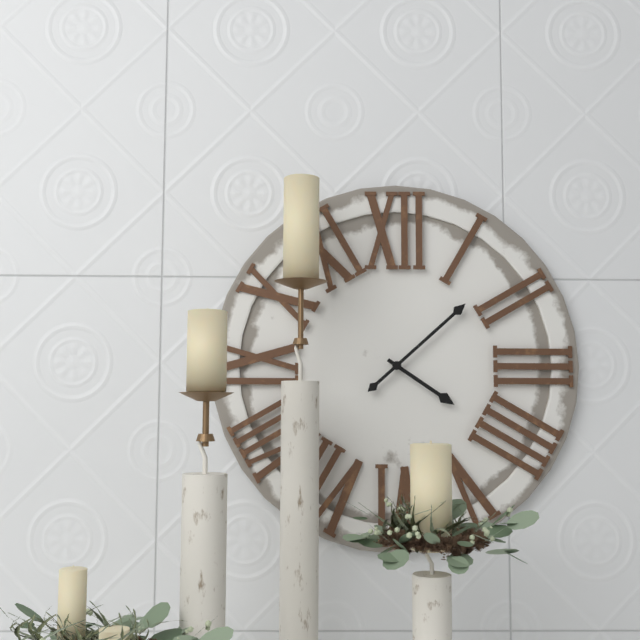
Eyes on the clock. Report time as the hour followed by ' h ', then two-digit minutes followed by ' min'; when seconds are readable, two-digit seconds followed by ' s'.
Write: 4 h 08 min
